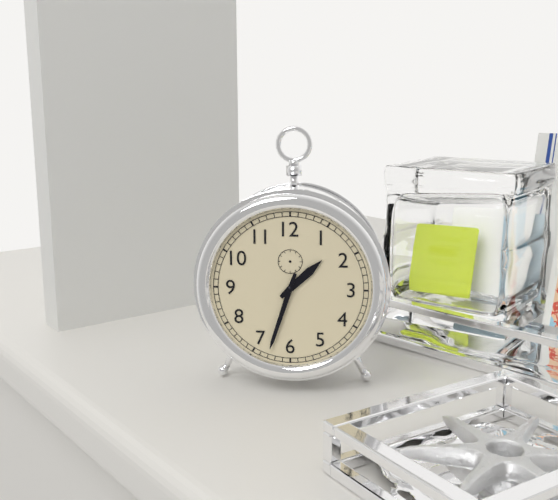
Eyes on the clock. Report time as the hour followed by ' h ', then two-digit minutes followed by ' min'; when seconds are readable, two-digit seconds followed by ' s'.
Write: 1 h 33 min
